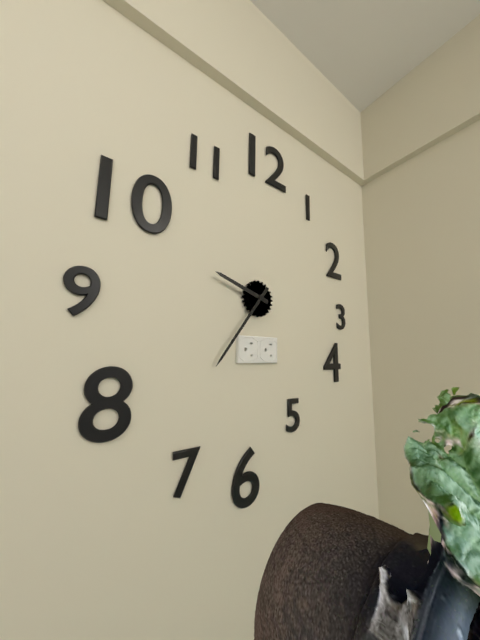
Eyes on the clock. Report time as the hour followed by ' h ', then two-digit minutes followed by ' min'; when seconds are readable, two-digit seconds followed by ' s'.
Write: 9 h 36 min
